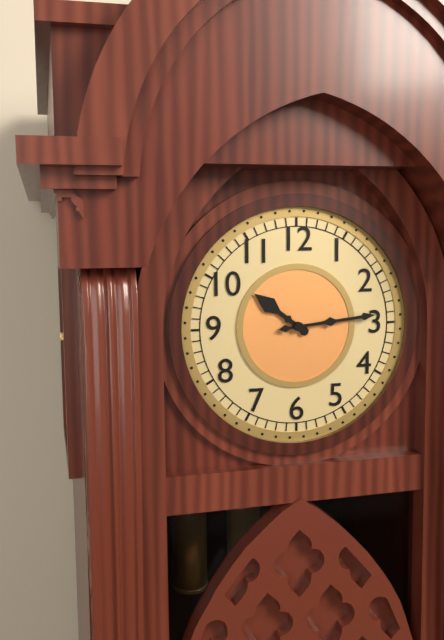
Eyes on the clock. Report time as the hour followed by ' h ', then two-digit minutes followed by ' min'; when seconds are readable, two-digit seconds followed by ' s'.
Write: 10 h 14 min
